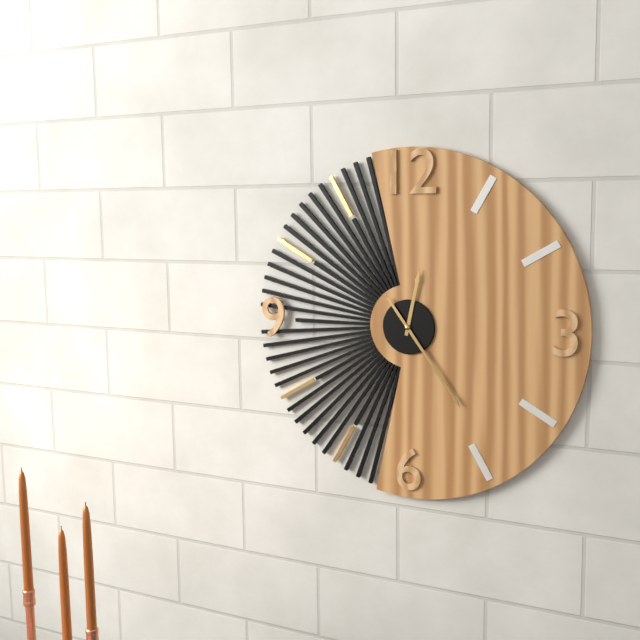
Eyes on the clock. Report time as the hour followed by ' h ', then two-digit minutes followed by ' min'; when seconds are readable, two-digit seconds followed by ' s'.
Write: 12 h 24 min
